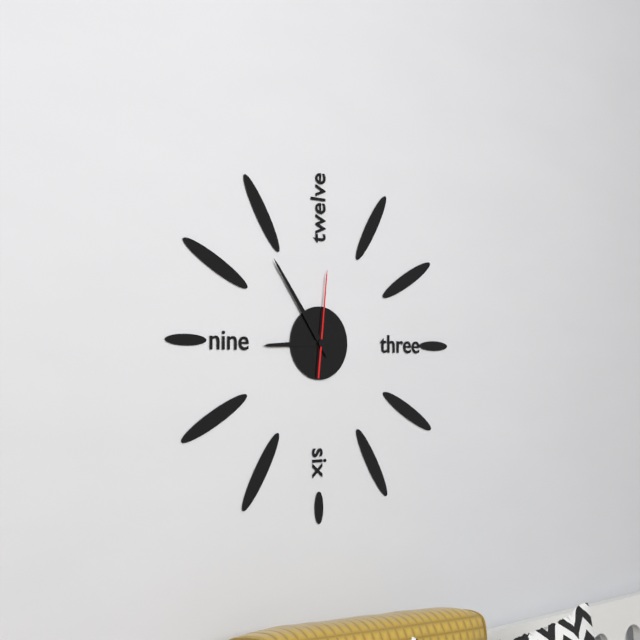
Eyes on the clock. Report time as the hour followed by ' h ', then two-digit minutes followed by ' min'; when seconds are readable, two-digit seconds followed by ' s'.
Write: 8 h 54 min 01 s
